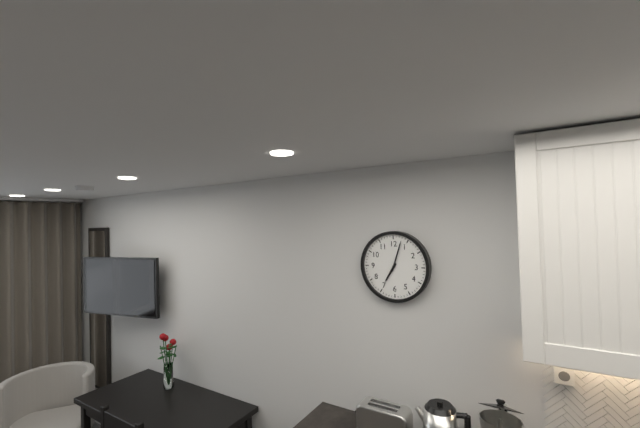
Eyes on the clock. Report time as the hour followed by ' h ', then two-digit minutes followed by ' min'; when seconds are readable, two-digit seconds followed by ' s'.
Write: 7 h 03 min
